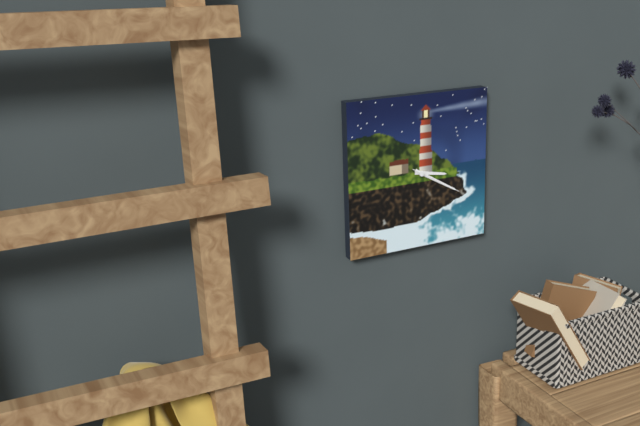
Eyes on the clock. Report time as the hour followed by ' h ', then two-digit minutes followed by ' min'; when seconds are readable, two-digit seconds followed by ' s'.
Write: 3 h 20 min 20 s
